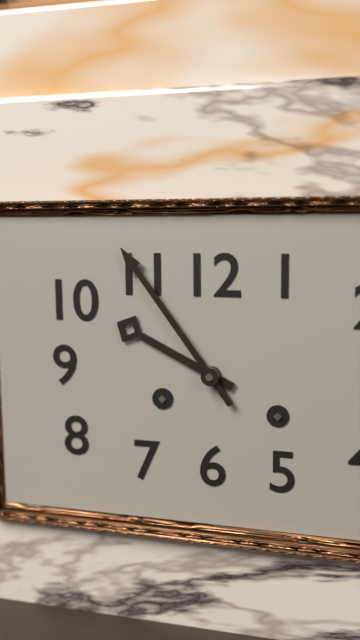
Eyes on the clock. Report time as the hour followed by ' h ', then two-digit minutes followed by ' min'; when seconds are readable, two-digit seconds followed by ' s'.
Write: 9 h 54 min
